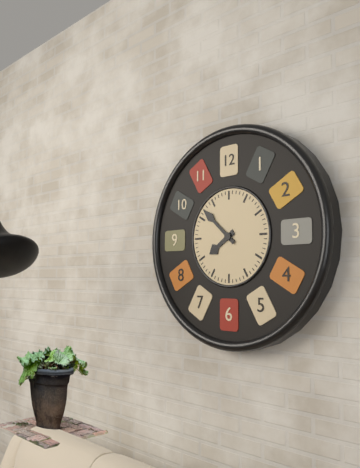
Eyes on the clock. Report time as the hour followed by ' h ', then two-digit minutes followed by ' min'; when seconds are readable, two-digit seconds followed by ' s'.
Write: 7 h 52 min
